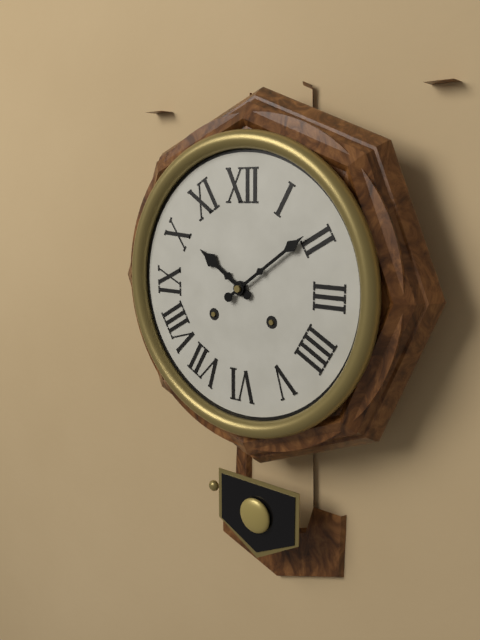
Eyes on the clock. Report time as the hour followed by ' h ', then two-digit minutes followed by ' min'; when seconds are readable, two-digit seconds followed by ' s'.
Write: 10 h 09 min
